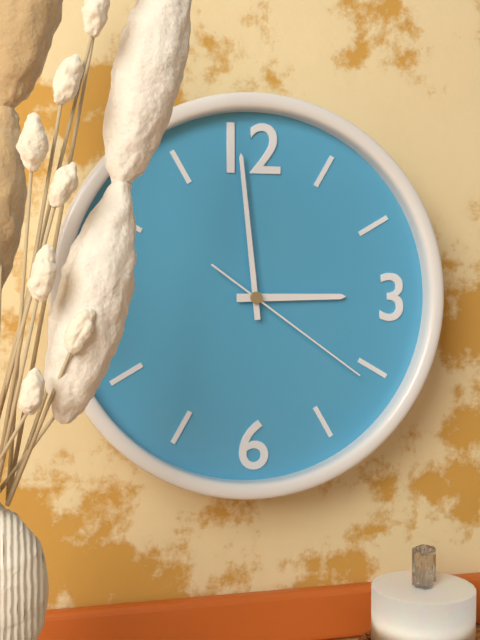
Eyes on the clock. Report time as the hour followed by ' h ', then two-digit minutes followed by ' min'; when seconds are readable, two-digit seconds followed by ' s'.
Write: 2 h 59 min 21 s
